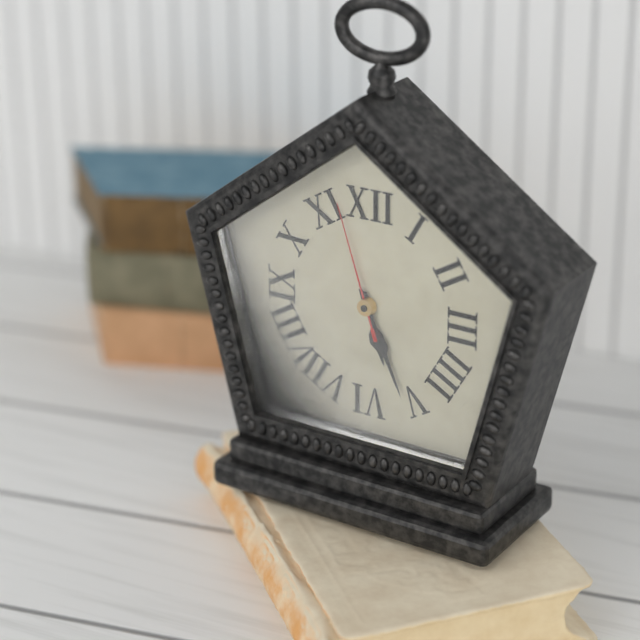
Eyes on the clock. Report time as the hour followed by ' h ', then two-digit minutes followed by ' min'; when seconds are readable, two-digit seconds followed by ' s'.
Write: 5 h 26 min 57 s
